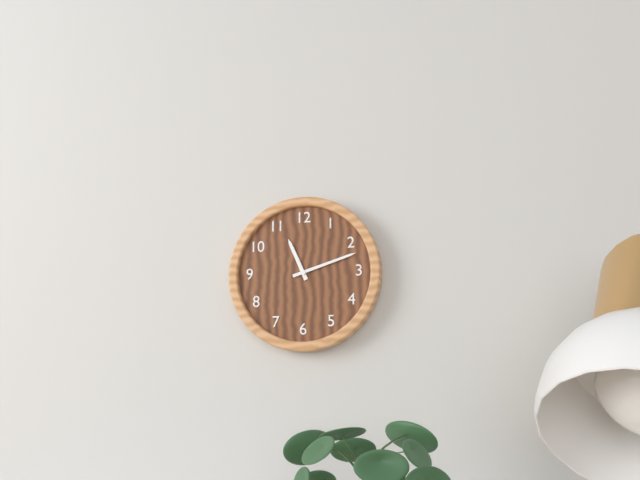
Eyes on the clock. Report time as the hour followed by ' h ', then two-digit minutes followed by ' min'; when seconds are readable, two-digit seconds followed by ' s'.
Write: 11 h 12 min
